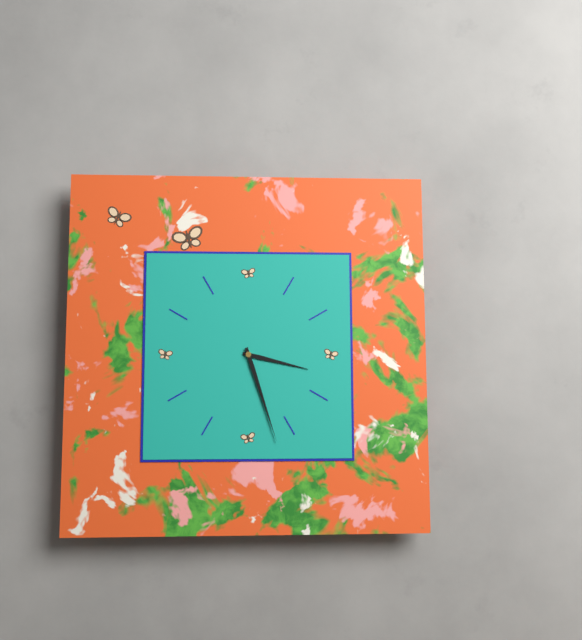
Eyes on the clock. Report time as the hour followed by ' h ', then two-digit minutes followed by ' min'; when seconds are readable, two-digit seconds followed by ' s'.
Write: 3 h 27 min
